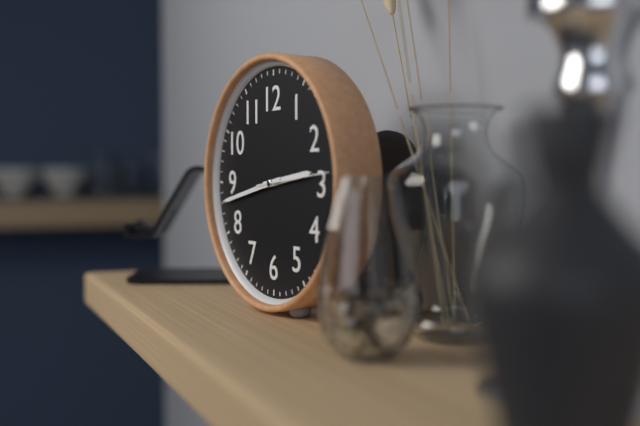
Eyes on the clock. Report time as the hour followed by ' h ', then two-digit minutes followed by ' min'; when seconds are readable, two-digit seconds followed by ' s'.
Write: 2 h 43 min 14 s
